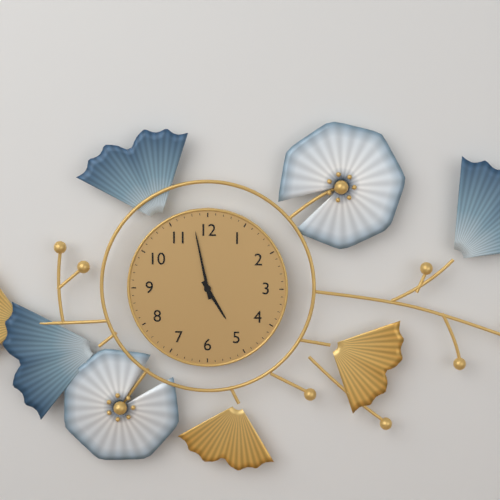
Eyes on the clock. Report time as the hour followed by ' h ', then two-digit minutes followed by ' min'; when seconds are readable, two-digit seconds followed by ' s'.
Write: 4 h 58 min
